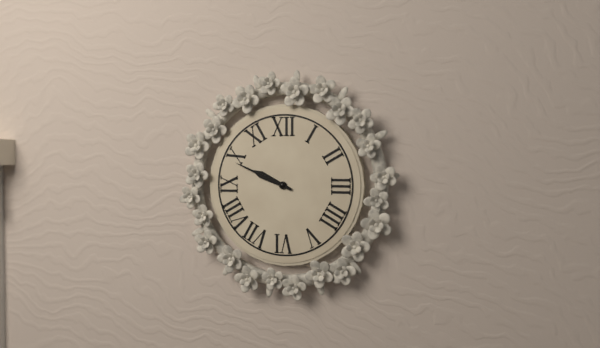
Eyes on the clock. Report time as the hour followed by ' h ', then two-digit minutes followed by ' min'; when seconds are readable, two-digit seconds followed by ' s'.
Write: 9 h 49 min
